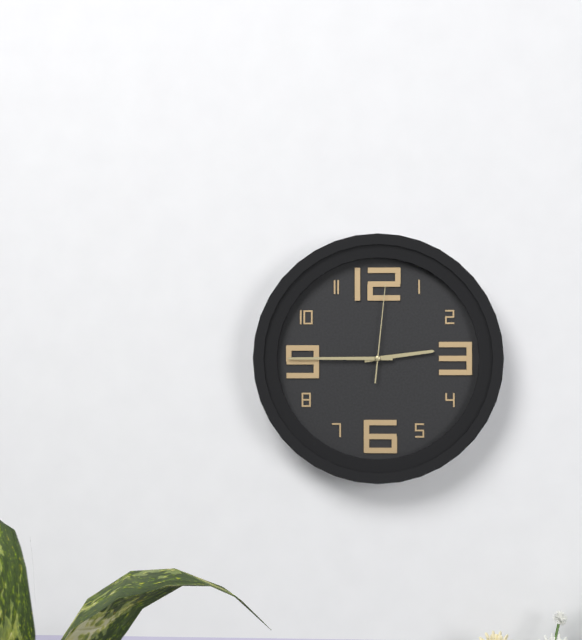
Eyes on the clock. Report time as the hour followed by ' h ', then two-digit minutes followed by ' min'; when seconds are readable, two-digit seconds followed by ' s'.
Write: 2 h 45 min 01 s
